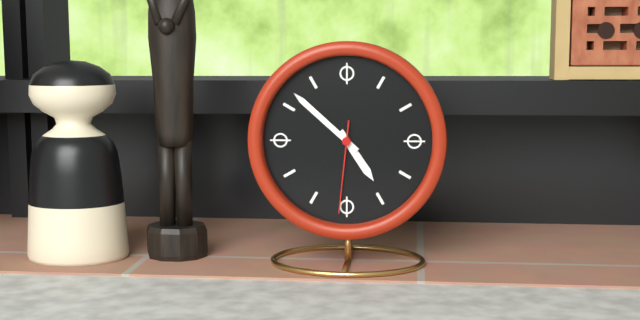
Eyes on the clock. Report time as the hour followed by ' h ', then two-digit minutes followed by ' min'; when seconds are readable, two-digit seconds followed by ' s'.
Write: 4 h 52 min 31 s
